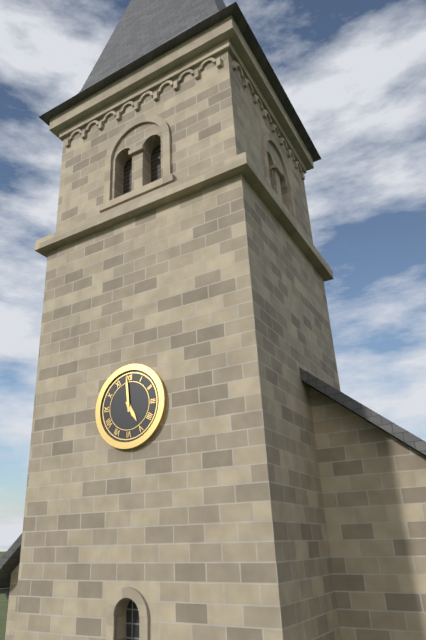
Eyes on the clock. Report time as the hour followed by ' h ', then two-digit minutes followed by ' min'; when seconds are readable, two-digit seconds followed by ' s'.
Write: 4 h 59 min
